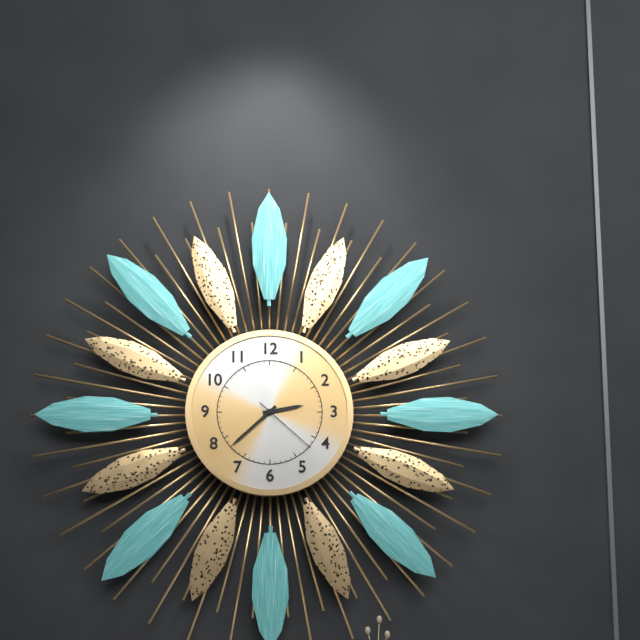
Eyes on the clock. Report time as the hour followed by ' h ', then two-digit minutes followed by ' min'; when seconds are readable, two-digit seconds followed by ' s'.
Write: 2 h 38 min 22 s
